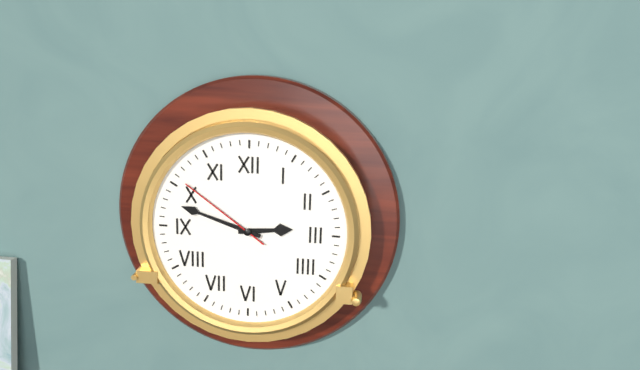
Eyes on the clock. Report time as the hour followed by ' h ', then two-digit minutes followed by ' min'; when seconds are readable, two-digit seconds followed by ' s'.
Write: 2 h 48 min 51 s
